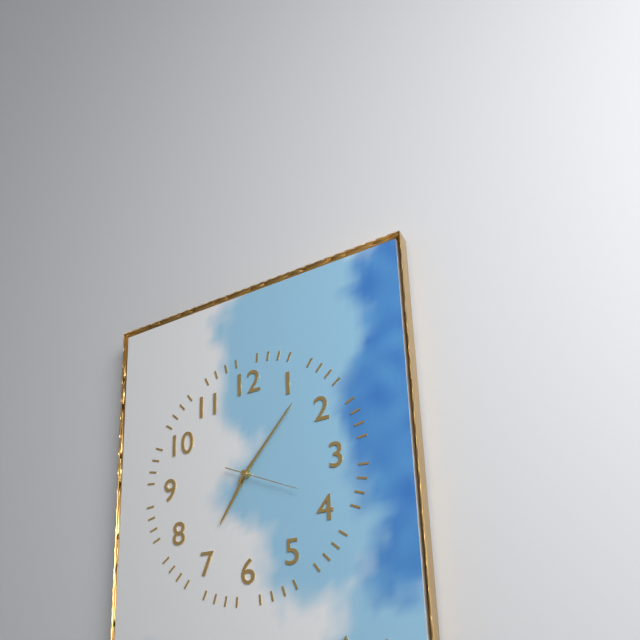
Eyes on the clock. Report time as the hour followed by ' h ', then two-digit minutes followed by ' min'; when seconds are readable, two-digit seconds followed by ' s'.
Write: 7 h 07 min 19 s
